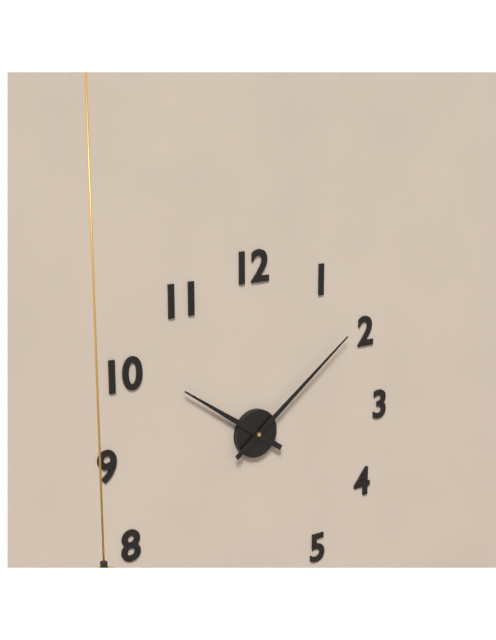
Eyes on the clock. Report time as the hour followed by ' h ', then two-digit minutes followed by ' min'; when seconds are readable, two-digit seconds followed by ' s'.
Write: 10 h 09 min
